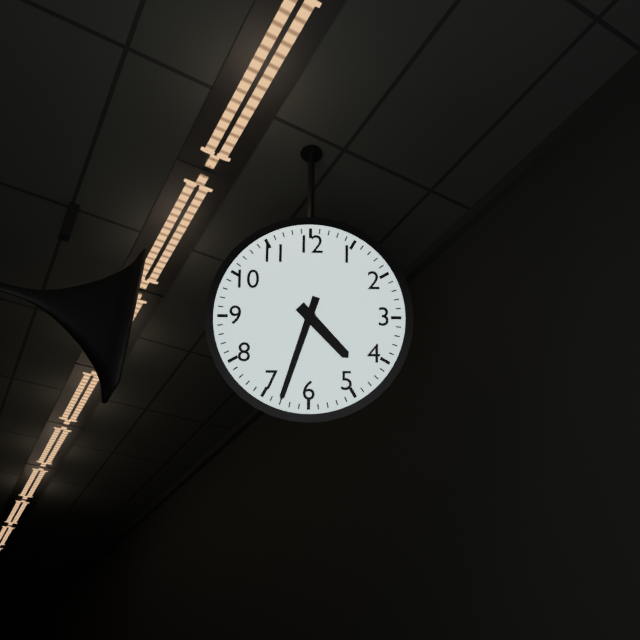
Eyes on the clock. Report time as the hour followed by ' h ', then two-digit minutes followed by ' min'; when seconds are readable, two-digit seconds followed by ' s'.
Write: 4 h 33 min
